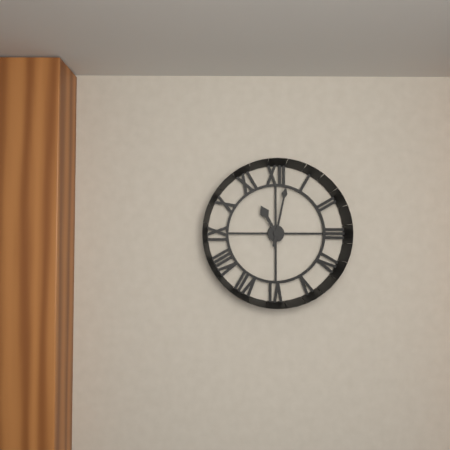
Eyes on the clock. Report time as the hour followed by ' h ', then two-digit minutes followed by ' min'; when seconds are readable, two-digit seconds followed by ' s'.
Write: 11 h 02 min
